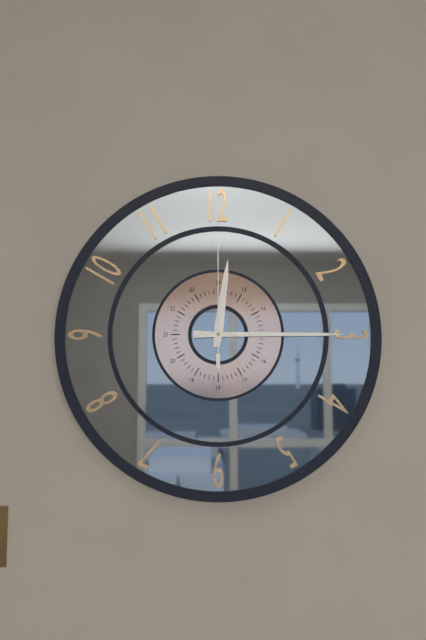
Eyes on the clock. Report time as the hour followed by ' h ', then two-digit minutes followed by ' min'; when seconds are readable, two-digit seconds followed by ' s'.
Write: 12 h 15 min 00 s
